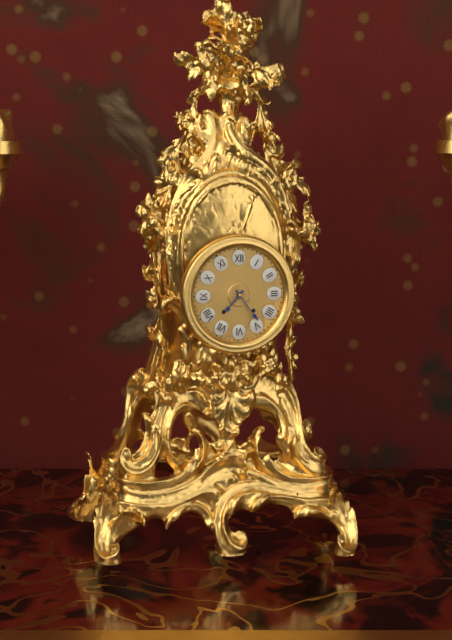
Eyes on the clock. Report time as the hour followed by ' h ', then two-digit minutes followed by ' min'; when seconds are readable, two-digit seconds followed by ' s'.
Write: 7 h 24 min
